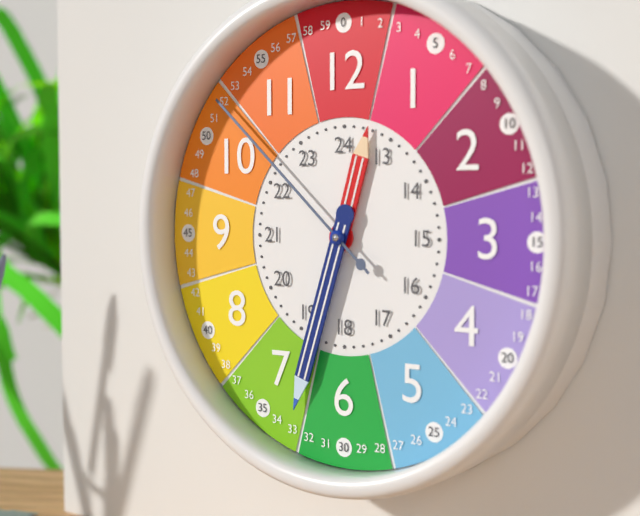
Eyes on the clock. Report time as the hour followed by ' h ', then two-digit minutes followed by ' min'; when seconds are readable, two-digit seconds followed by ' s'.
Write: 12 h 33 min 52 s
